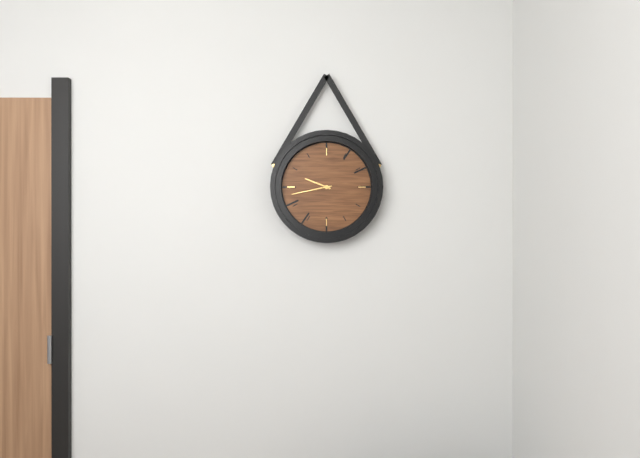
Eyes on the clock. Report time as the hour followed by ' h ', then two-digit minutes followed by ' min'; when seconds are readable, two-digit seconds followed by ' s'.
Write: 9 h 43 min
